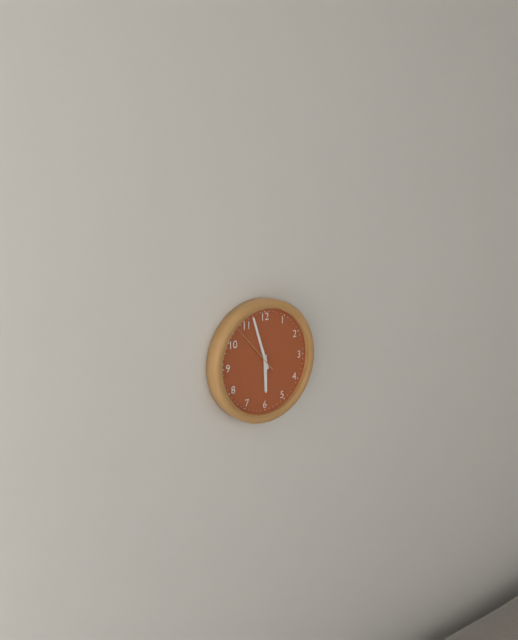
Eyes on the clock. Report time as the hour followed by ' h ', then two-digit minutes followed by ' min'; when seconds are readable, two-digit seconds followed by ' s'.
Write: 5 h 57 min 53 s
